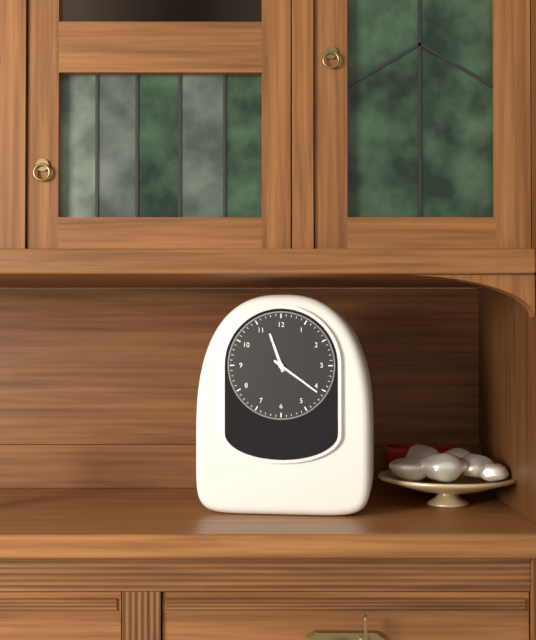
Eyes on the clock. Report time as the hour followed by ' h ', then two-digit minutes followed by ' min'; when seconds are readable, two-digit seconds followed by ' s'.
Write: 11 h 21 min
